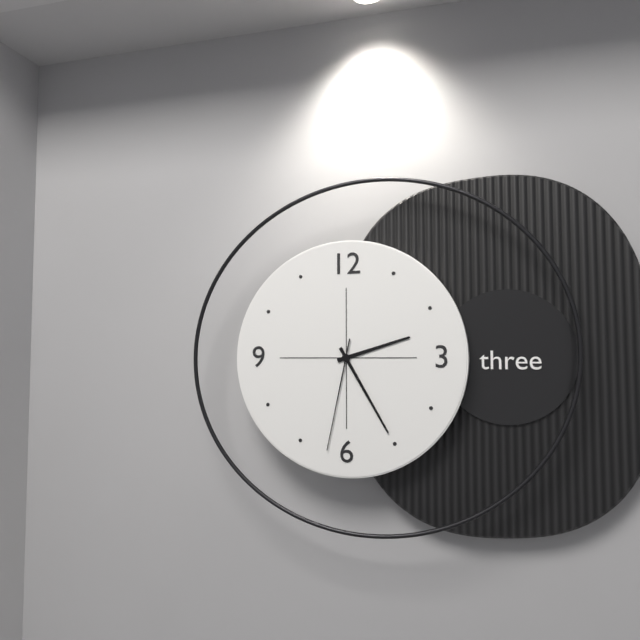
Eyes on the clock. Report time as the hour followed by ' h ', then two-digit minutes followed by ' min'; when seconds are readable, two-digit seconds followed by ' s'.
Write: 2 h 25 min 32 s
